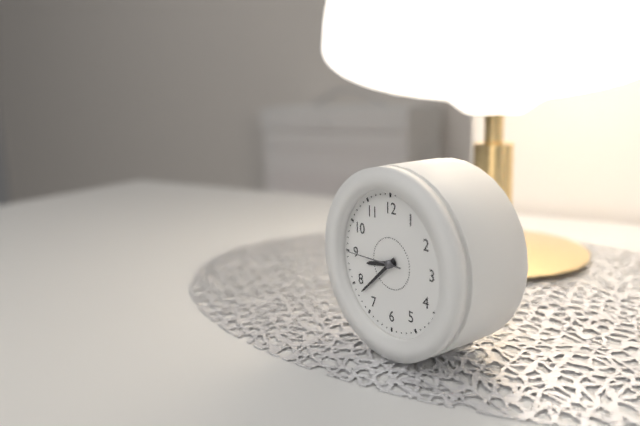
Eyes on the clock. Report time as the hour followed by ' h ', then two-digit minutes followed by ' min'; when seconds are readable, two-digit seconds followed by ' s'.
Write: 8 h 38 min 45 s
